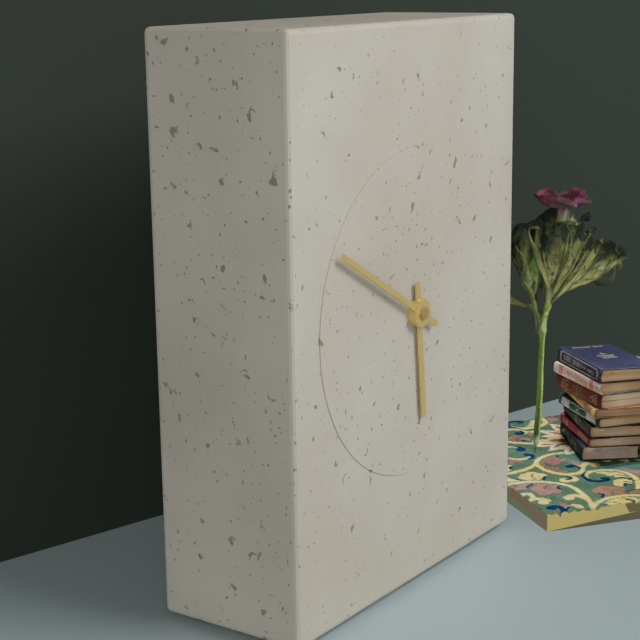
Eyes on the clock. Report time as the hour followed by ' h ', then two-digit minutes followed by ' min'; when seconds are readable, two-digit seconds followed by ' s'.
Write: 5 h 50 min
